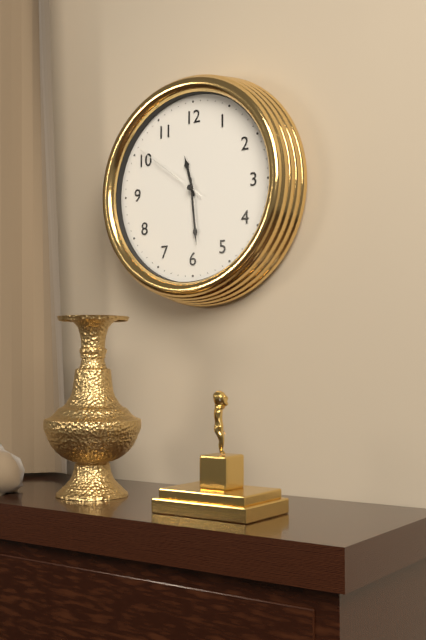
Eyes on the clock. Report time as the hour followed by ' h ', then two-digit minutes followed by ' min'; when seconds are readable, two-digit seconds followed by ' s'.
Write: 11 h 29 min 51 s
